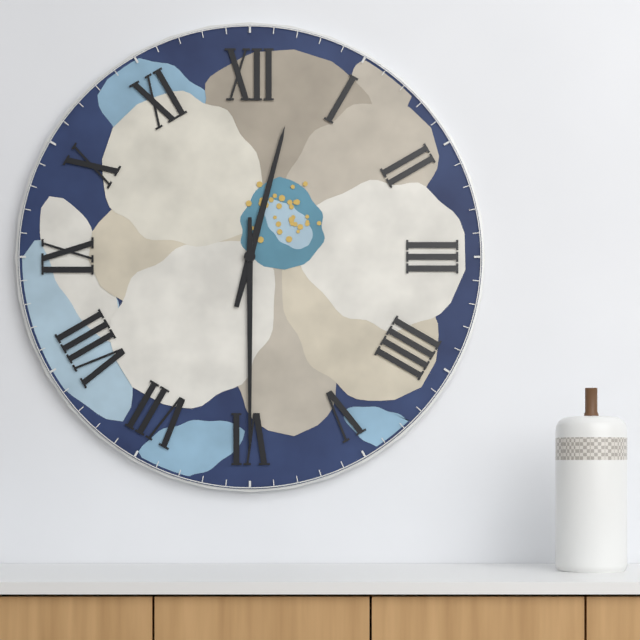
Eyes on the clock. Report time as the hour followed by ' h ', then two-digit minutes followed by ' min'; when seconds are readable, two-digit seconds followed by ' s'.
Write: 12 h 30 min
